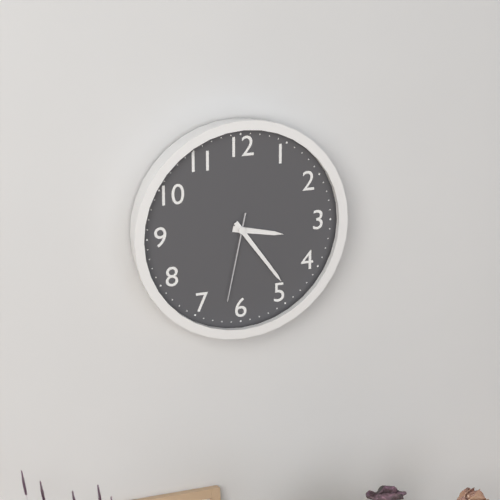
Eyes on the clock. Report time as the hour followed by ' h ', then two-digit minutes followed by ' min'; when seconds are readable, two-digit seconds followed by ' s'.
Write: 3 h 24 min 32 s
